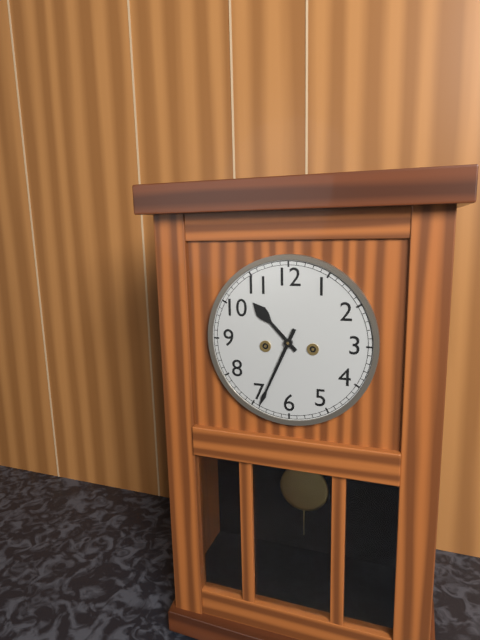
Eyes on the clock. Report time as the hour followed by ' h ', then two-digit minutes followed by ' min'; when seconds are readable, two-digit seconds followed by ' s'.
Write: 10 h 34 min
